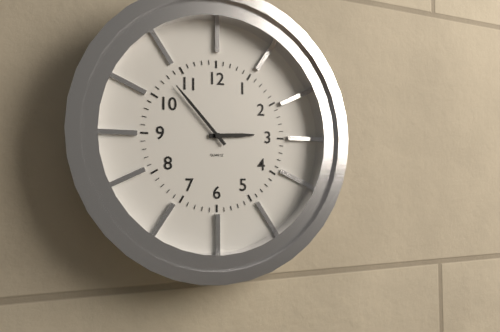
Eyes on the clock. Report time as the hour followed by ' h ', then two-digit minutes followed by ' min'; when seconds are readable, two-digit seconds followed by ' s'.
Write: 2 h 53 min
